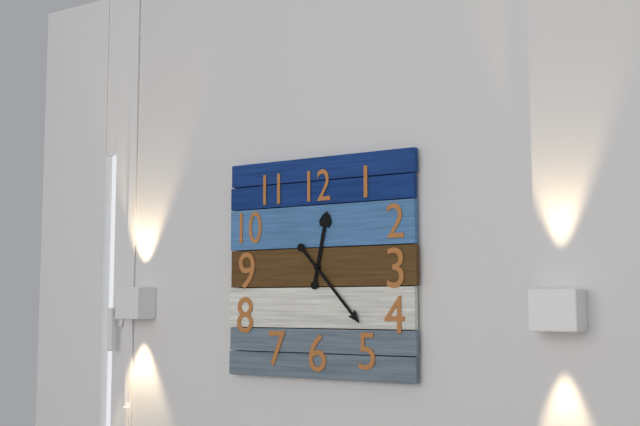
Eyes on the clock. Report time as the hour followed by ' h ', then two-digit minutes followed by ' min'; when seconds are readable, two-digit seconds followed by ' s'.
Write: 12 h 23 min
